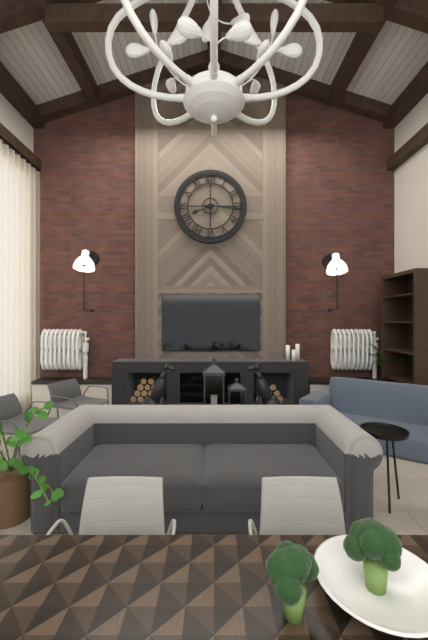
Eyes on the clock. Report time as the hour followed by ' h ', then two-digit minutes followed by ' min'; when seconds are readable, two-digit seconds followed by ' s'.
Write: 8 h 16 min
